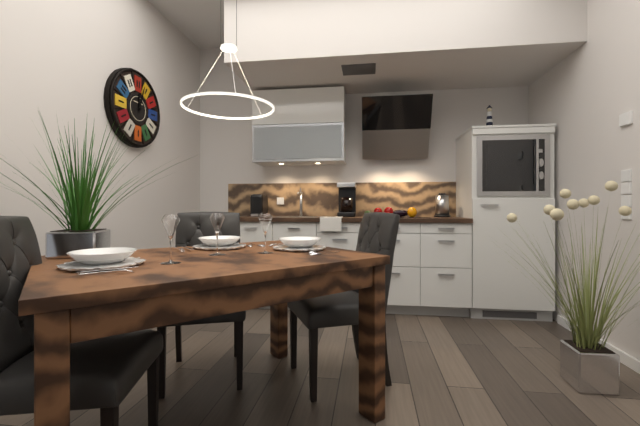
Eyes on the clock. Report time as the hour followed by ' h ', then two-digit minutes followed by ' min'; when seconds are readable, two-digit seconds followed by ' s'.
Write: 12 h 03 min
